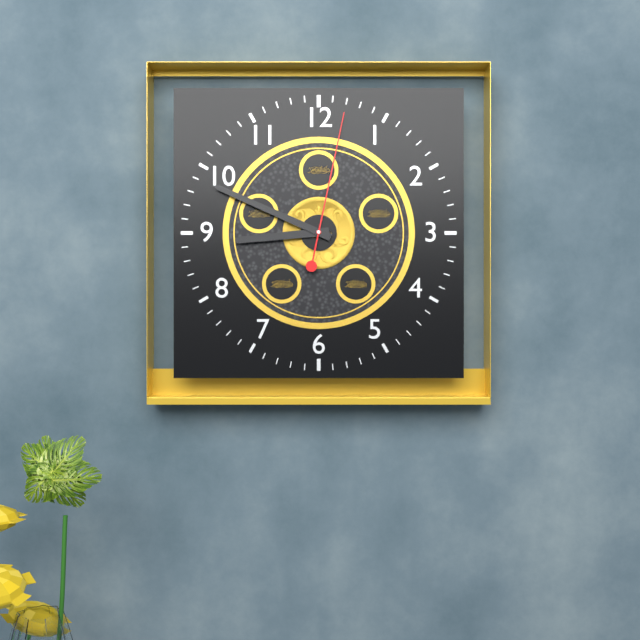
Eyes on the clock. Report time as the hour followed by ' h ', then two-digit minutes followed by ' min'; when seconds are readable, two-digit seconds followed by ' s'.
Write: 8 h 49 min 02 s
